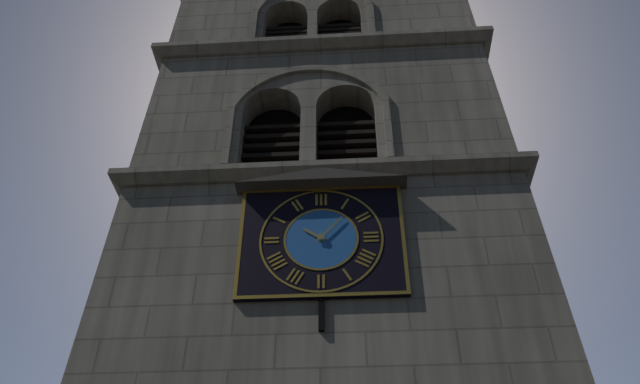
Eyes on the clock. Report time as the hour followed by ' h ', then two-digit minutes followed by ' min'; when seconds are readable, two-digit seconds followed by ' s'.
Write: 10 h 07 min
